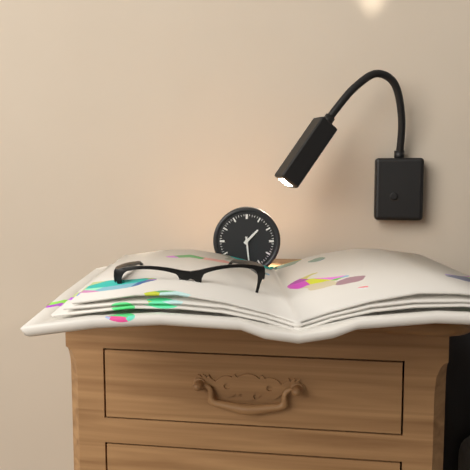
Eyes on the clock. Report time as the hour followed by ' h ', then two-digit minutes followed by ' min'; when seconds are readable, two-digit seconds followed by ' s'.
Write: 1 h 29 min
